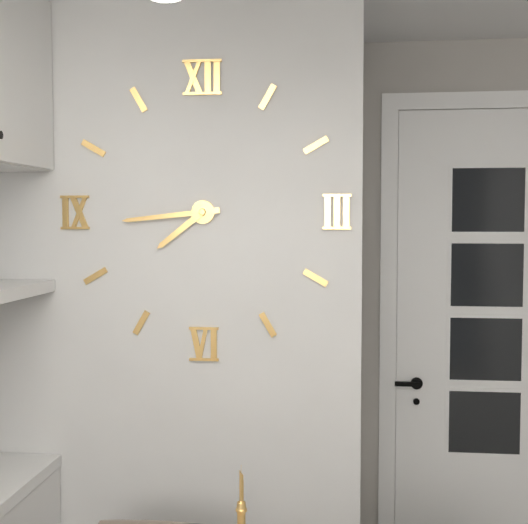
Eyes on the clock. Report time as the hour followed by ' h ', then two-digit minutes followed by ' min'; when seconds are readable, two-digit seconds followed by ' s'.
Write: 7 h 44 min
